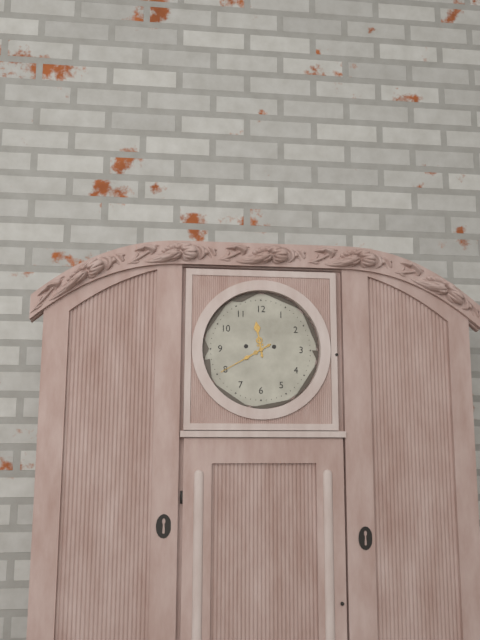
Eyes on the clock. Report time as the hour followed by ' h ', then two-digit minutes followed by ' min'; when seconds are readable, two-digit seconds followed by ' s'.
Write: 11 h 40 min
